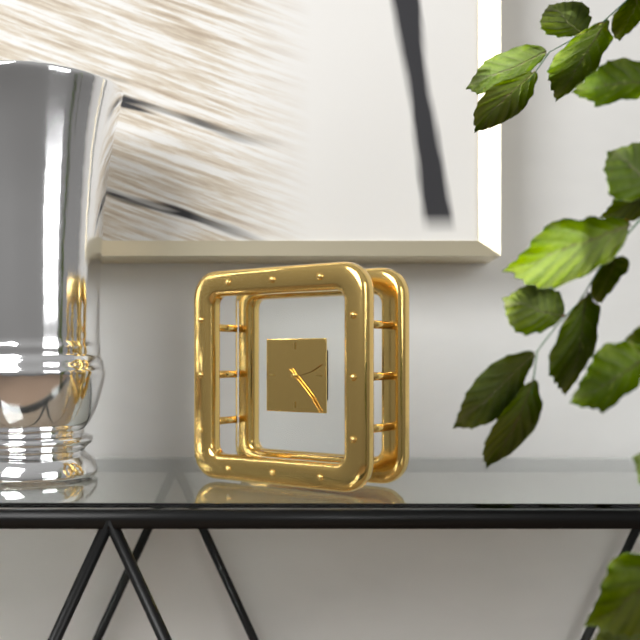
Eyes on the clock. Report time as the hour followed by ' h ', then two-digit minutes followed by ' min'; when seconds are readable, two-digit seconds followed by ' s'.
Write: 2 h 23 min
